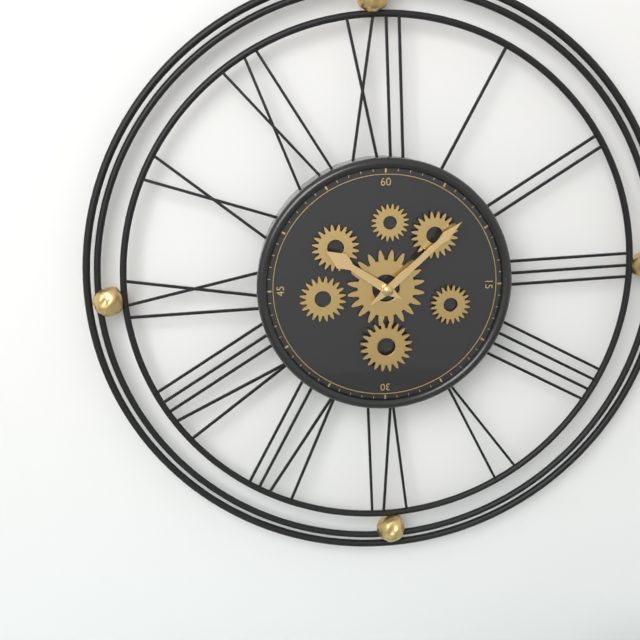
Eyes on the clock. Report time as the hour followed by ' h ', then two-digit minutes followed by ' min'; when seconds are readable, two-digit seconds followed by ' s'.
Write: 10 h 08 min
